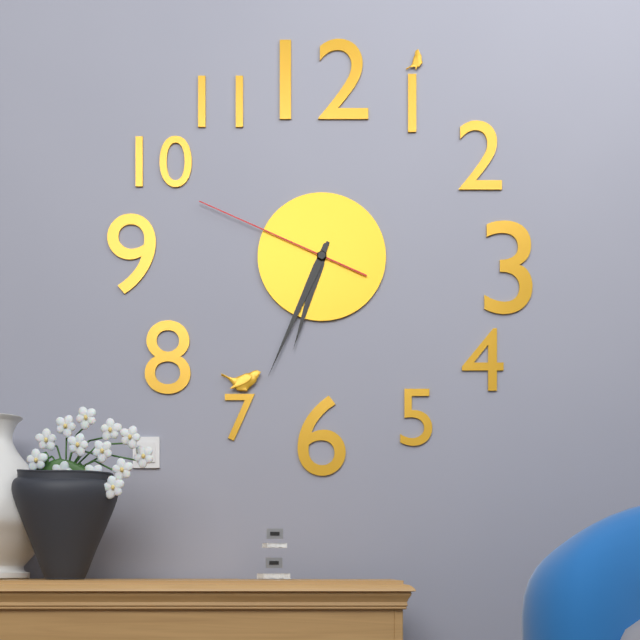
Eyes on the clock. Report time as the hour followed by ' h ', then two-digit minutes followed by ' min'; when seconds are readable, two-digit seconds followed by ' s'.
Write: 6 h 34 min 49 s
